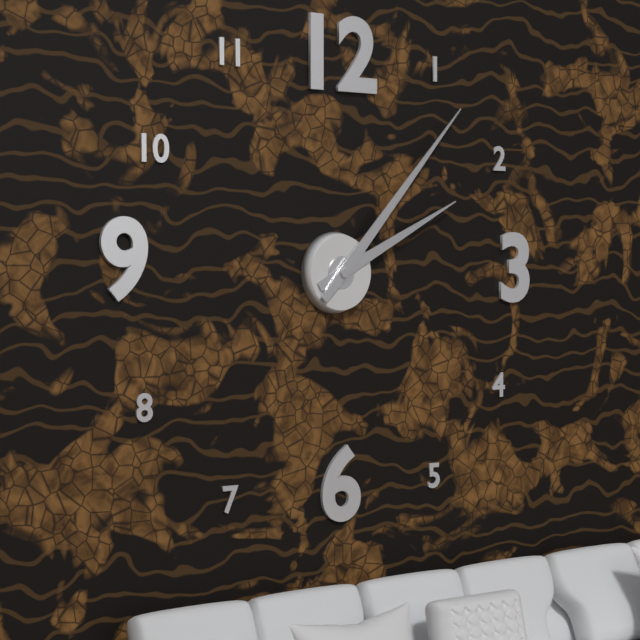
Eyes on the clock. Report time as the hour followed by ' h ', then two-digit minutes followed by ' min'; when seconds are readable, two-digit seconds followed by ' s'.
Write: 2 h 07 min
